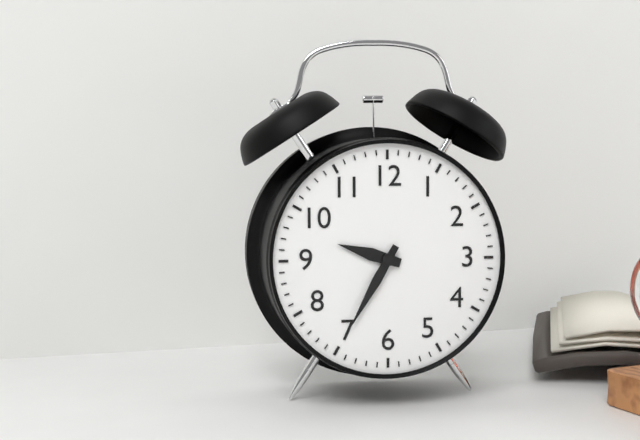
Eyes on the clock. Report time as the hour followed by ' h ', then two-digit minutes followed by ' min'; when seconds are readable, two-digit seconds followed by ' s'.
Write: 9 h 35 min
